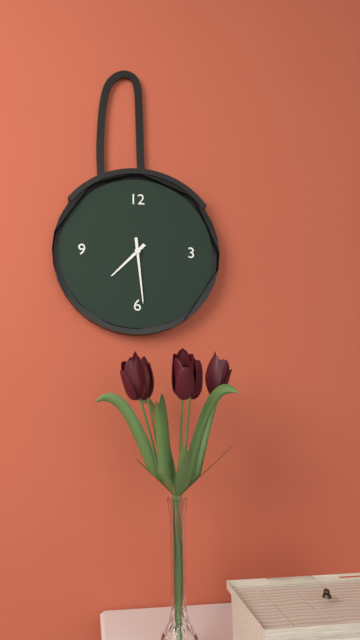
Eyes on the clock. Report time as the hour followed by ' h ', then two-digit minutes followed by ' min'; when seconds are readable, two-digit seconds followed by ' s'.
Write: 7 h 29 min
